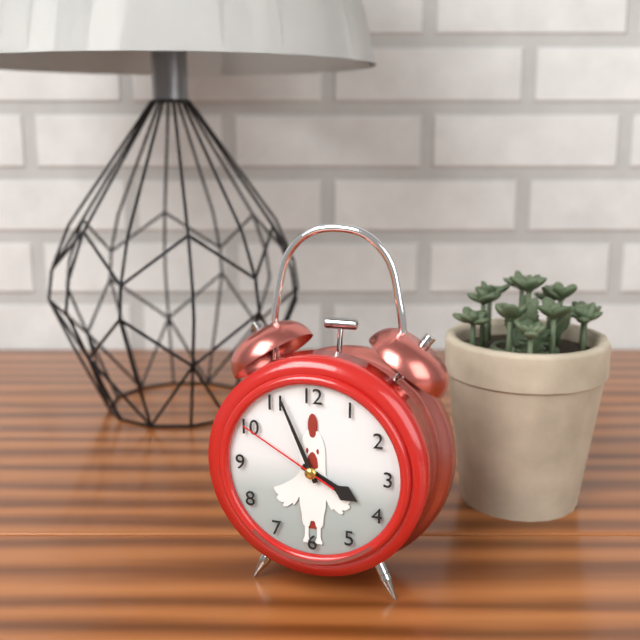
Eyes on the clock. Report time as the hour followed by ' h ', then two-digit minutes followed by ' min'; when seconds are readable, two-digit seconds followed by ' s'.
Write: 3 h 56 min 50 s
